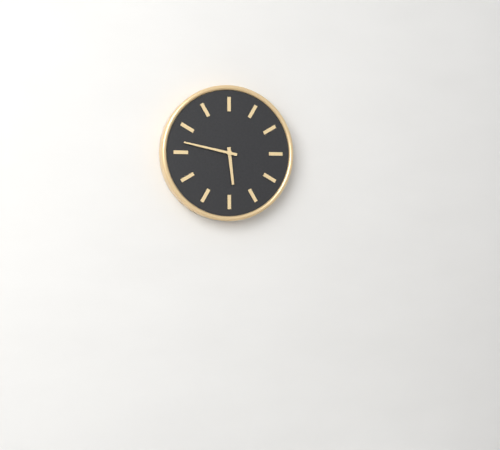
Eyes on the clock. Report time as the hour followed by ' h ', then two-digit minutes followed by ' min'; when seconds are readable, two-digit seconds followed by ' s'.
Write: 5 h 47 min
